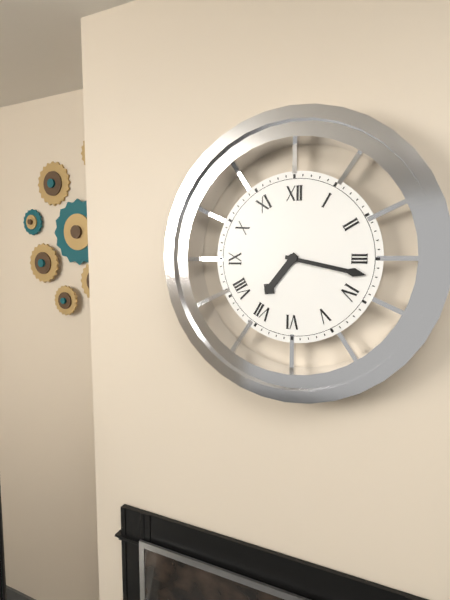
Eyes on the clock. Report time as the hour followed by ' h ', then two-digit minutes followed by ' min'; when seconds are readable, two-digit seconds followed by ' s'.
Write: 7 h 17 min
